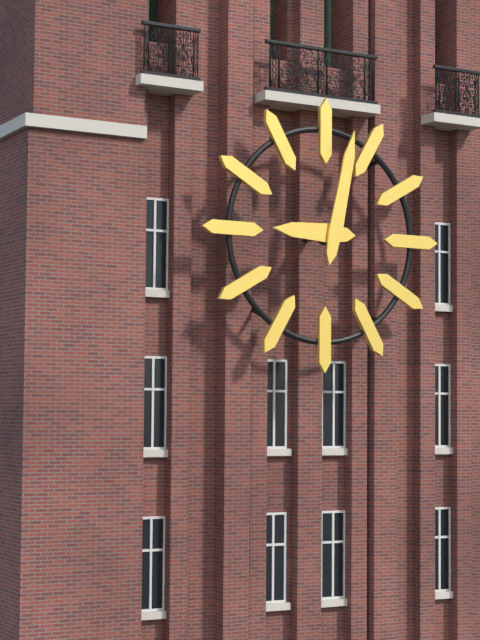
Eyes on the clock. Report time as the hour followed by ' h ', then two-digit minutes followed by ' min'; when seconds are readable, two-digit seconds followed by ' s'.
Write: 9 h 02 min
